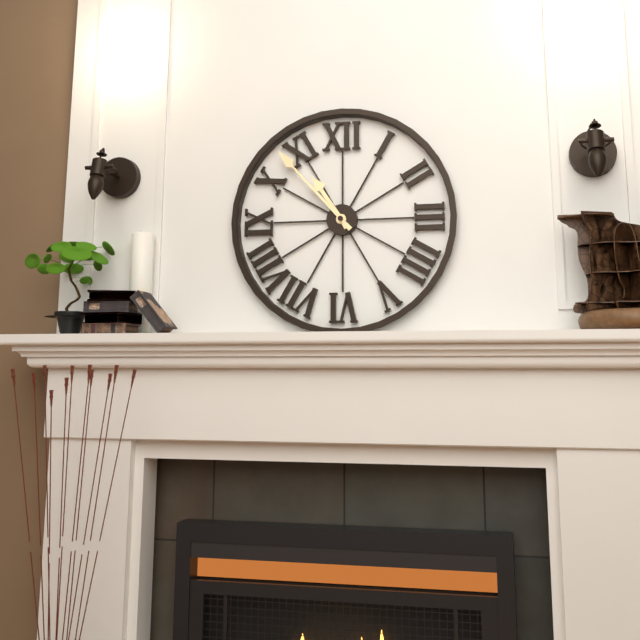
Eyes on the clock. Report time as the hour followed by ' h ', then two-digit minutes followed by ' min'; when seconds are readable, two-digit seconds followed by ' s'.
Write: 10 h 53 min
